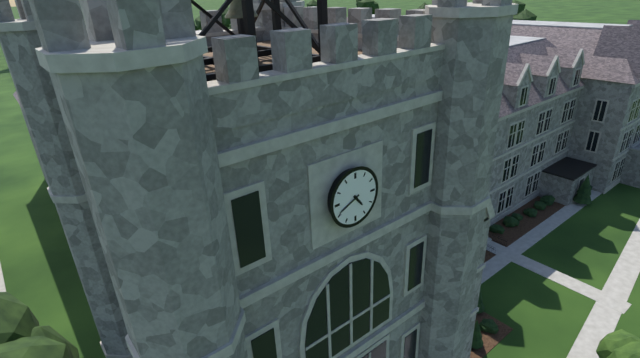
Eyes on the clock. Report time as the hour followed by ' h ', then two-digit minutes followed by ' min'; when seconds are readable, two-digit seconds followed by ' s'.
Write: 4 h 41 min
